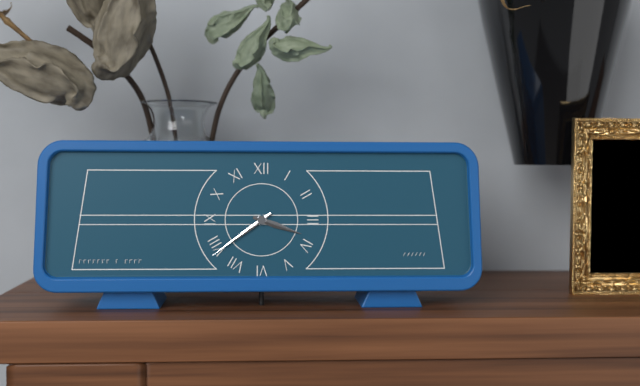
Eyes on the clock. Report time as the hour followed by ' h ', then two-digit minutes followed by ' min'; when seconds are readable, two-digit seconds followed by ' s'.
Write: 3 h 39 min
